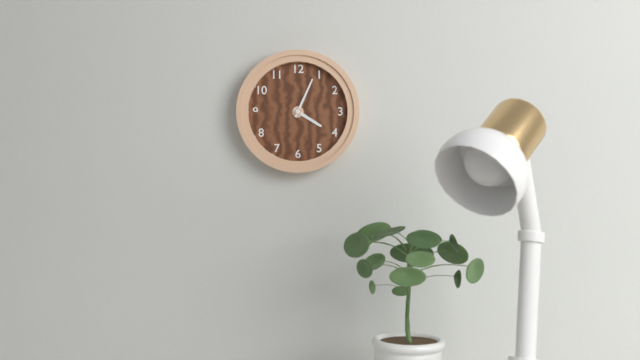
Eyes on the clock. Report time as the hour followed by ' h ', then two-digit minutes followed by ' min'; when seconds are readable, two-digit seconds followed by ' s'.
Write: 4 h 04 min
